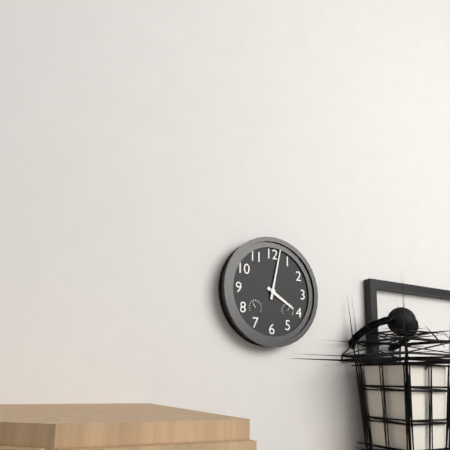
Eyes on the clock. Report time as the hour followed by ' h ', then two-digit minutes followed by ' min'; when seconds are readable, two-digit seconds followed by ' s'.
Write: 4 h 02 min
